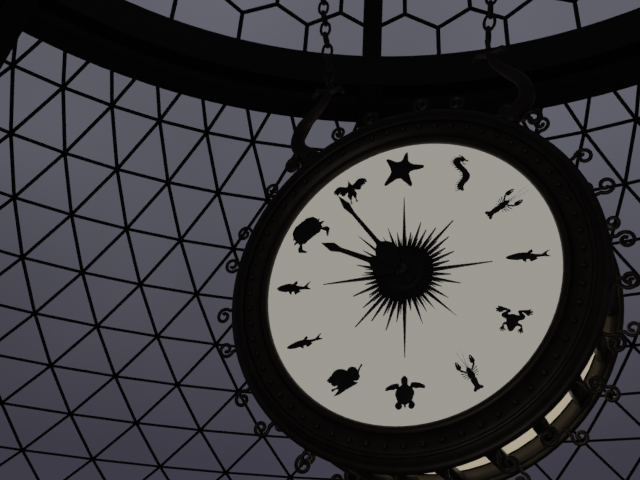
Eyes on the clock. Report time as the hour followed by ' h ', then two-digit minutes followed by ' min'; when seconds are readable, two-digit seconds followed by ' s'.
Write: 9 h 54 min
